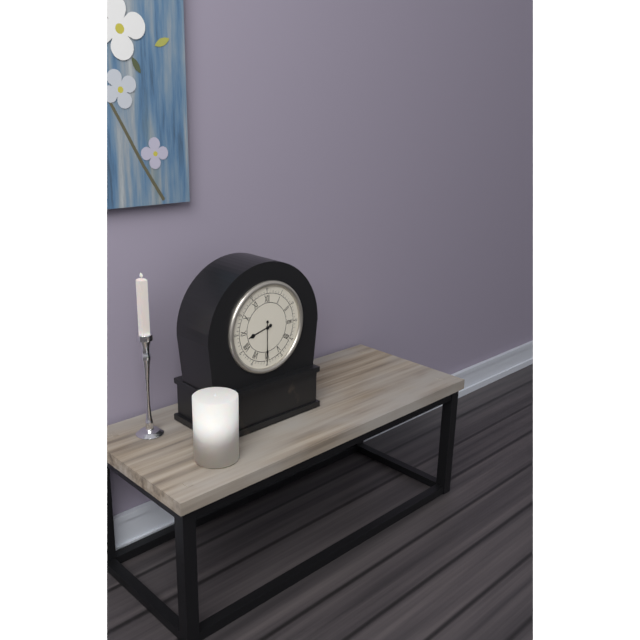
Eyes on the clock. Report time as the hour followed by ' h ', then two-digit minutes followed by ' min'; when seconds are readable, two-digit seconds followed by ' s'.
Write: 8 h 30 min
